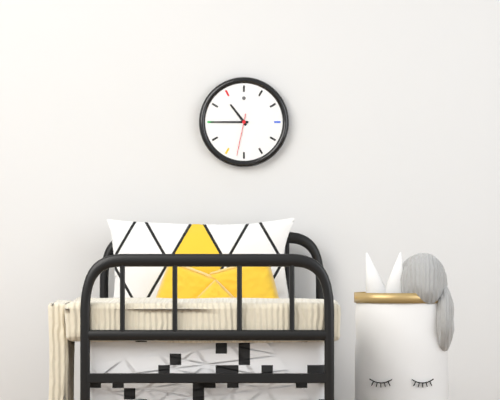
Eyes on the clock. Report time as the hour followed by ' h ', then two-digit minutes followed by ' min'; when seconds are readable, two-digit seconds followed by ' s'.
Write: 10 h 45 min
